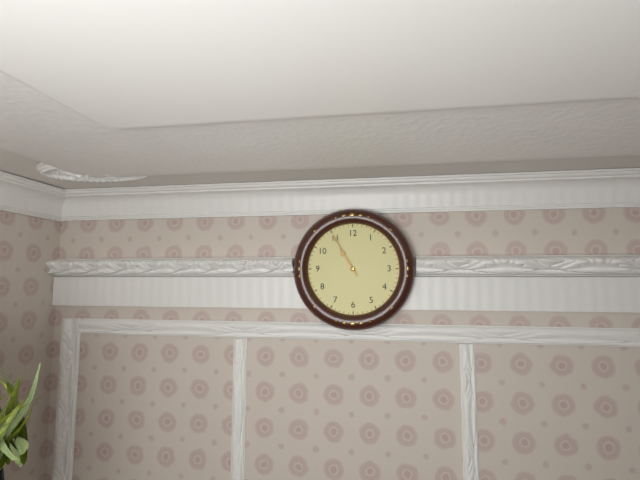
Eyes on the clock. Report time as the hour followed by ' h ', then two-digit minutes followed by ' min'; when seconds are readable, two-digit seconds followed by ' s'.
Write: 10 h 55 min
